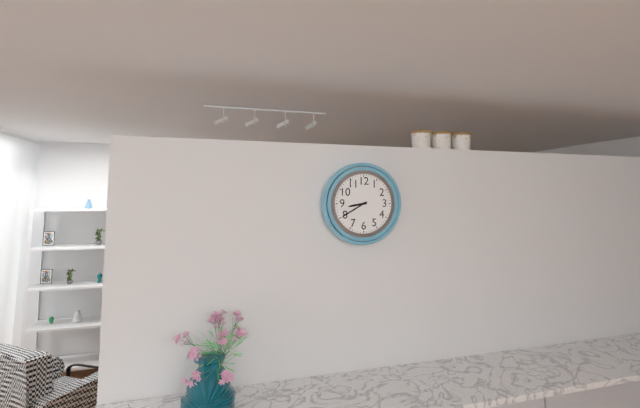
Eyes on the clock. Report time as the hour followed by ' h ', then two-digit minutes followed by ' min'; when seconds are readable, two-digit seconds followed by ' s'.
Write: 8 h 40 min
